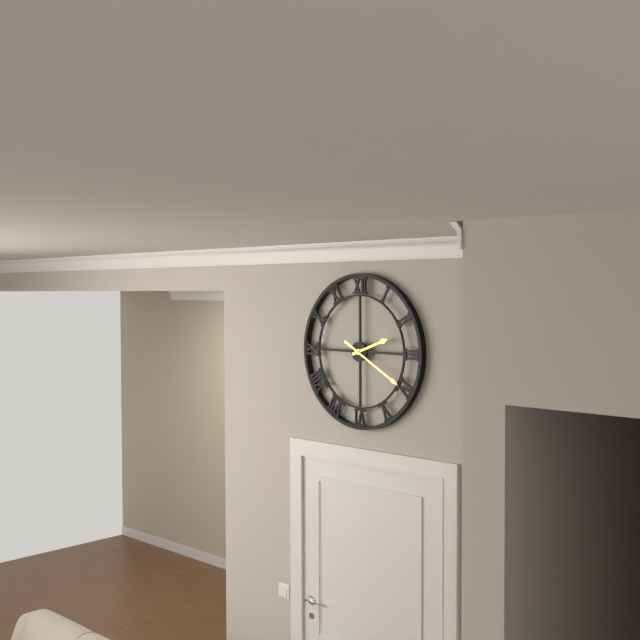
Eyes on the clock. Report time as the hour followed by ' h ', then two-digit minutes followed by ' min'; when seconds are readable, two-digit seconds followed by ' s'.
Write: 2 h 20 min
